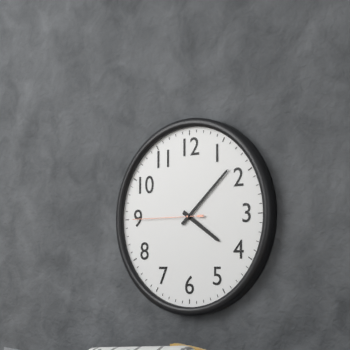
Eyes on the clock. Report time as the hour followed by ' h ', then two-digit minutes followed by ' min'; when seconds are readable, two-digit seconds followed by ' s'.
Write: 4 h 08 min 45 s
